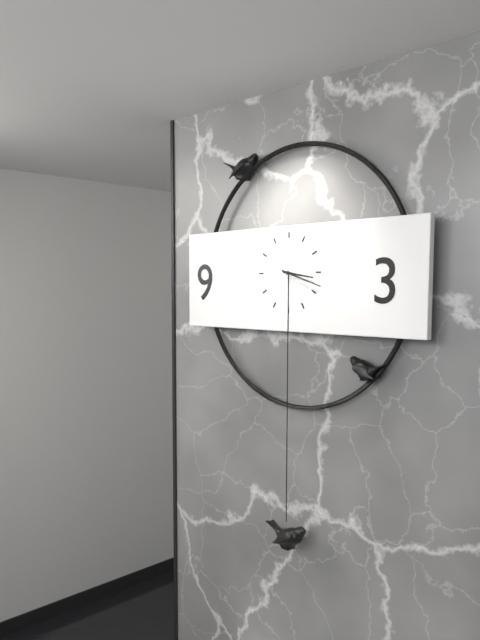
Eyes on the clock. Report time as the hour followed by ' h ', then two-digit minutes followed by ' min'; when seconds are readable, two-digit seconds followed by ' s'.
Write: 3 h 18 min
